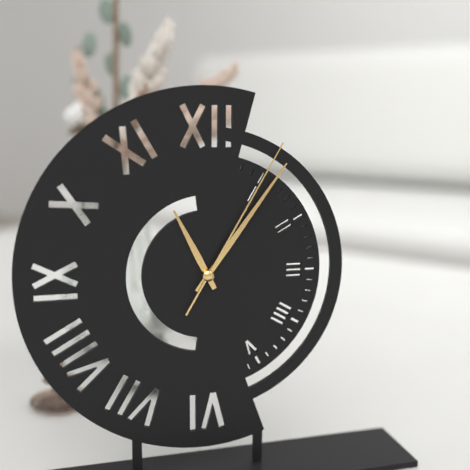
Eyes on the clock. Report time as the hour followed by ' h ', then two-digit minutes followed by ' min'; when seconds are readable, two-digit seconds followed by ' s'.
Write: 11 h 06 min 05 s
